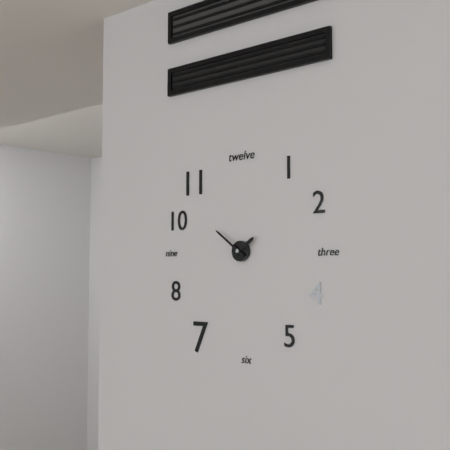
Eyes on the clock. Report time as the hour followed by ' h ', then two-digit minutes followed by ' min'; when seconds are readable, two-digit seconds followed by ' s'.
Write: 1 h 51 min
